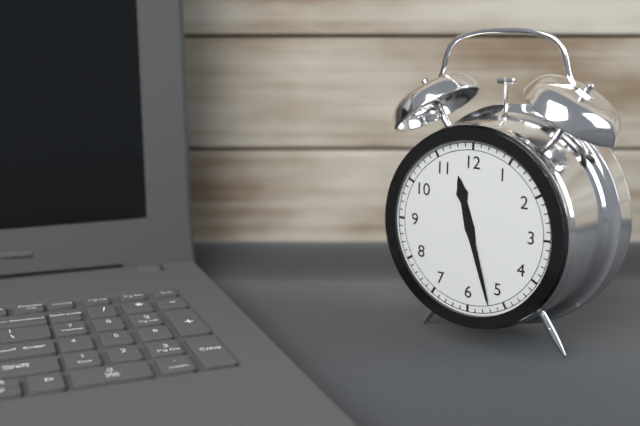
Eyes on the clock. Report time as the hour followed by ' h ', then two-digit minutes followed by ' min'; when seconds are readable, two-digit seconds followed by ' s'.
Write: 11 h 27 min
